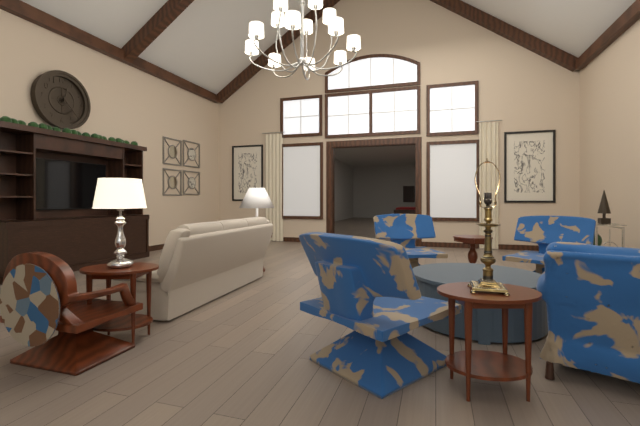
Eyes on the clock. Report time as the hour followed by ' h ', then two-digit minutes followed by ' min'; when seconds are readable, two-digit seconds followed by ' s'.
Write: 12 h 23 min
